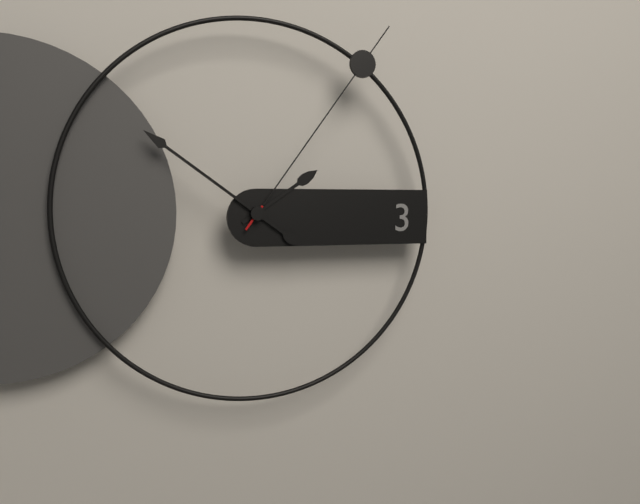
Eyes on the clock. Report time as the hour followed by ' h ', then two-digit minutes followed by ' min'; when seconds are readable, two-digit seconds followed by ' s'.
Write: 1 h 51 min 06 s
